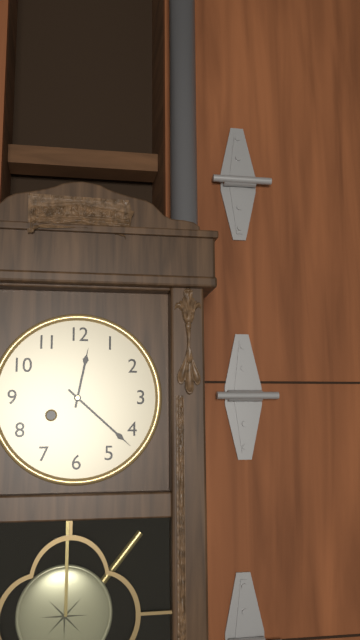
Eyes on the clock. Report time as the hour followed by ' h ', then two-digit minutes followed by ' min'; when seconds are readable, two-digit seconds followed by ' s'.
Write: 12 h 22 min
